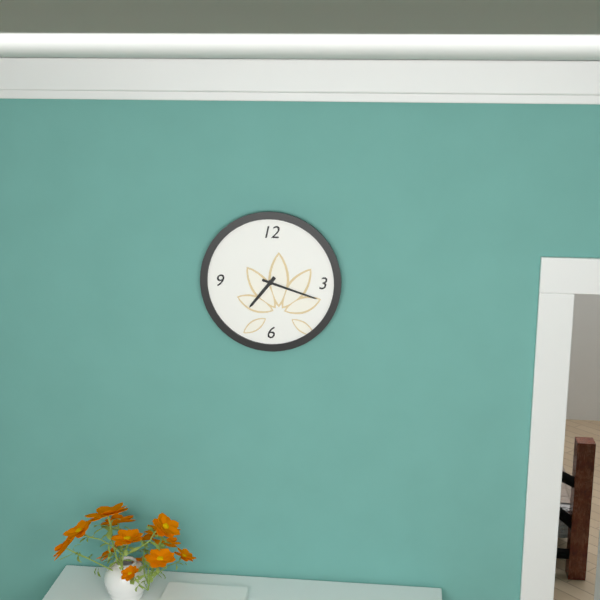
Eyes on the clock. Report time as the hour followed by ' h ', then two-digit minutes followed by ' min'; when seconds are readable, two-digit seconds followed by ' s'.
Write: 7 h 18 min
